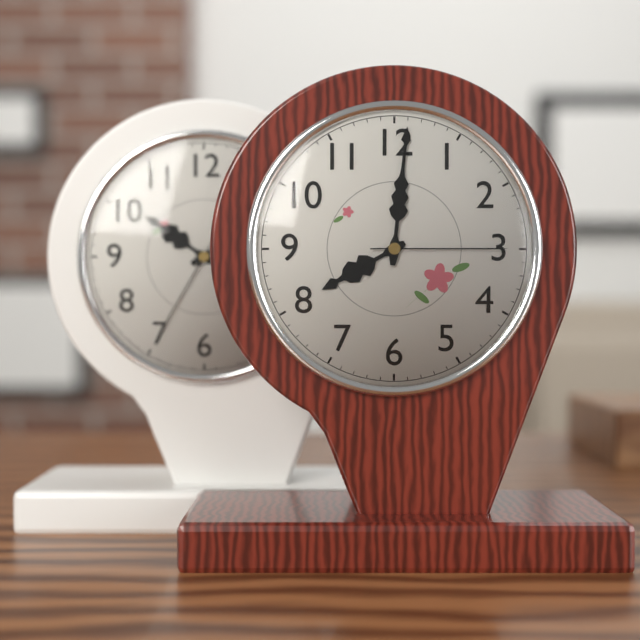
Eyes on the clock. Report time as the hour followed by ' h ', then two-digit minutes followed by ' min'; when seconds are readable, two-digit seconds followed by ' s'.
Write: 8 h 01 min 15 s
